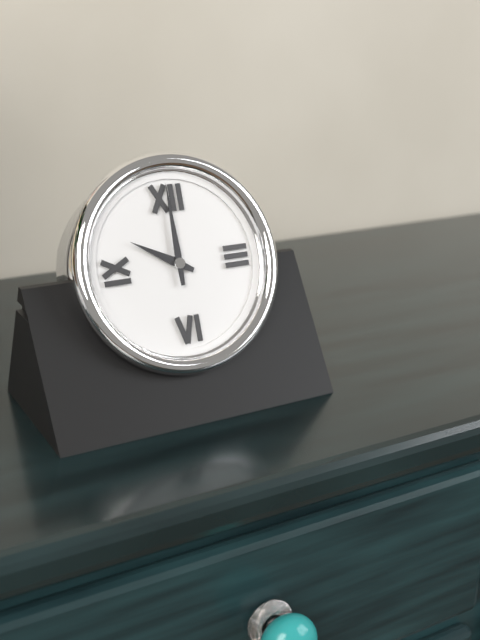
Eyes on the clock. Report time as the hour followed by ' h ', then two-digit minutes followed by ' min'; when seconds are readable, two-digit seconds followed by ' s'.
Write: 10 h 00 min
